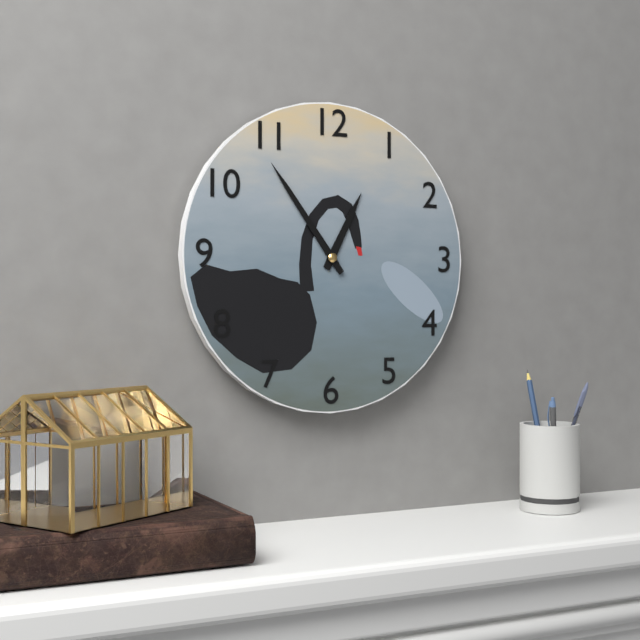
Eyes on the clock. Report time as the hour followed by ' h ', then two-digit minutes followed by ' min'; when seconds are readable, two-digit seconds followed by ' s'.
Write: 12 h 54 min
